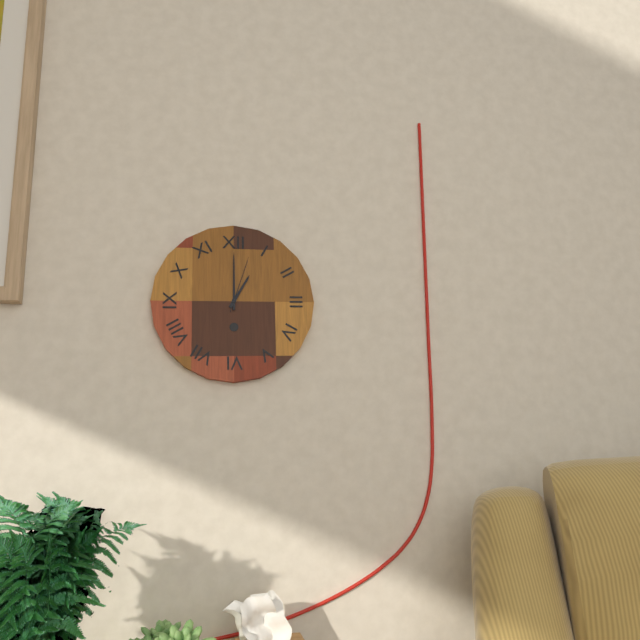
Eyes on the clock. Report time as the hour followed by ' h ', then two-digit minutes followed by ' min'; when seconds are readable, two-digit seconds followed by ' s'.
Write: 1 h 00 min 03 s
